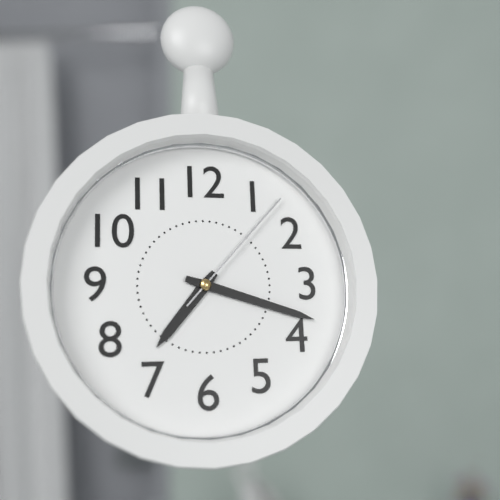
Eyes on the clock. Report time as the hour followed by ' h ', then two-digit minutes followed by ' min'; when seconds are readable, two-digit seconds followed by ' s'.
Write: 7 h 18 min 07 s
